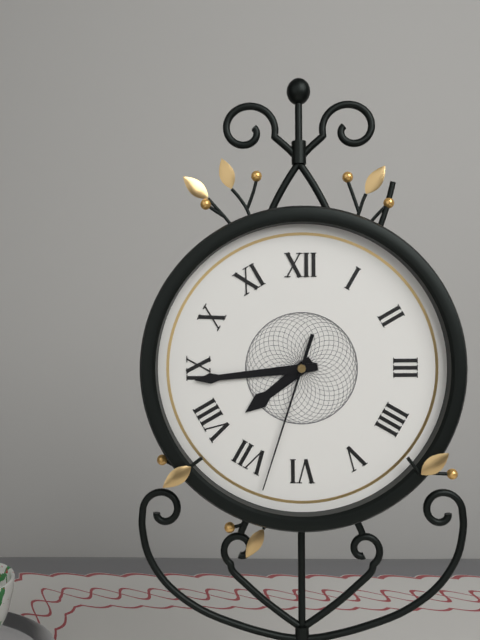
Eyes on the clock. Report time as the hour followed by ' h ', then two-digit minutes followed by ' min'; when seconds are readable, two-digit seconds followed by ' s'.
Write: 7 h 44 min 33 s
